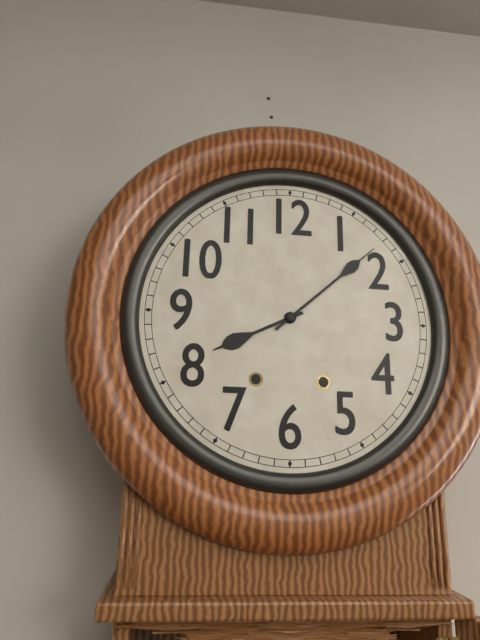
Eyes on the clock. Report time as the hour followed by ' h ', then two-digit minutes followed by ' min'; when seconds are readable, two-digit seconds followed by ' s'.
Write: 8 h 08 min
